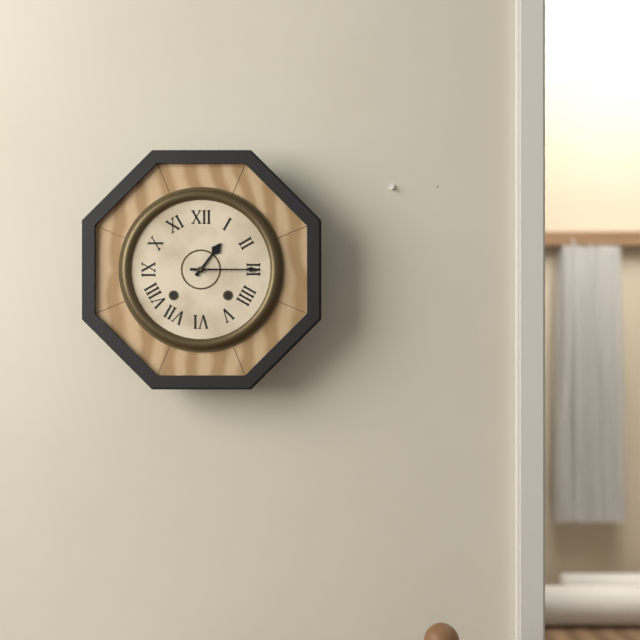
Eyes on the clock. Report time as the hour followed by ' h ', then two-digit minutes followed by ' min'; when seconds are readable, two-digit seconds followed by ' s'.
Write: 1 h 15 min
